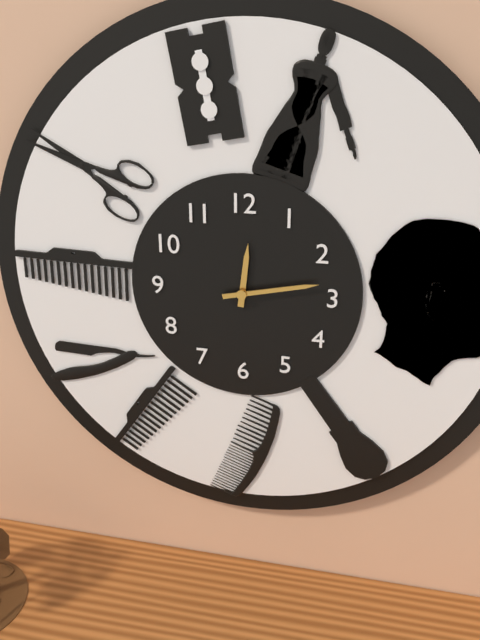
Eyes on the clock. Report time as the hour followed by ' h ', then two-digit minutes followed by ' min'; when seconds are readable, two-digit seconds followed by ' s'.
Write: 12 h 13 min
